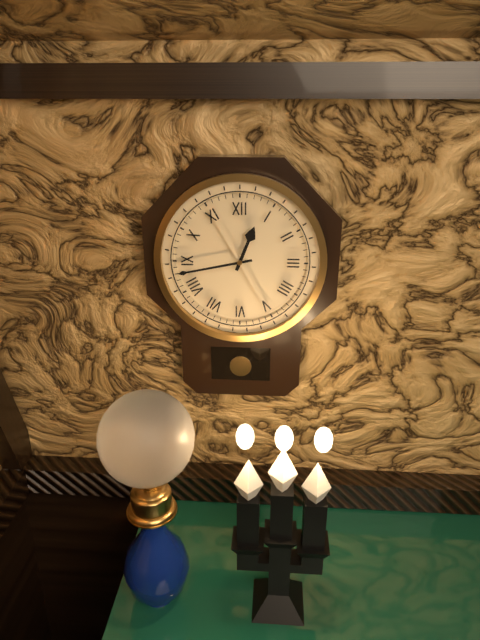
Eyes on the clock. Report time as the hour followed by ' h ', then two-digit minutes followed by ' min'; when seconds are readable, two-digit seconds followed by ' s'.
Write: 12 h 43 min
